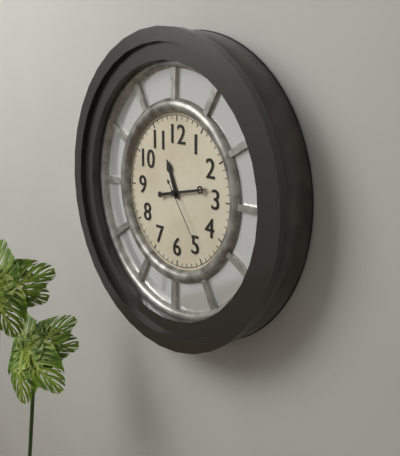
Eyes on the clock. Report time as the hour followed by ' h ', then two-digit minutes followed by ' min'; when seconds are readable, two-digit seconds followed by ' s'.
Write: 11 h 13 min 24 s
